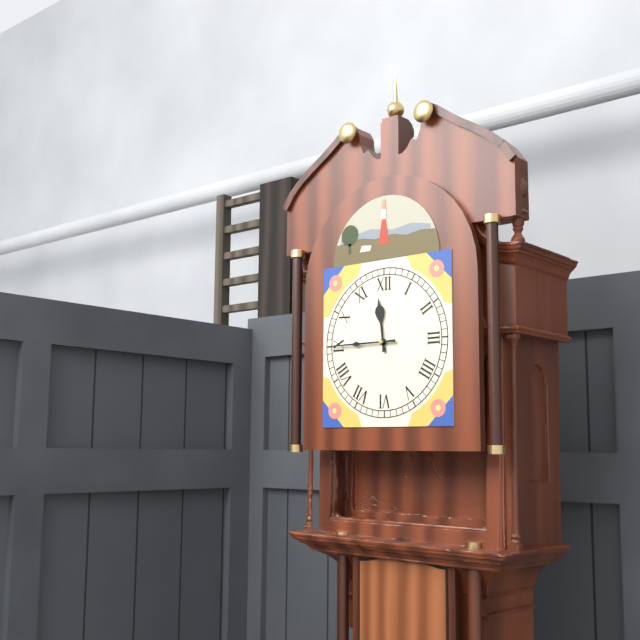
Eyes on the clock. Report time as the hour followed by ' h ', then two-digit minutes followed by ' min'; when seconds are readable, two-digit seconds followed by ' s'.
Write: 11 h 45 min
